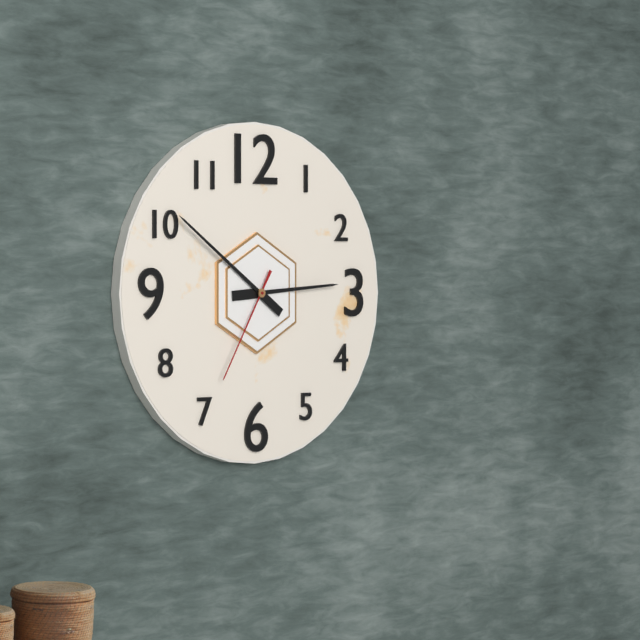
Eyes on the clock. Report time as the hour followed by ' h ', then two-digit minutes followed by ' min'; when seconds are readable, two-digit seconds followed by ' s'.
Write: 2 h 51 min 35 s
